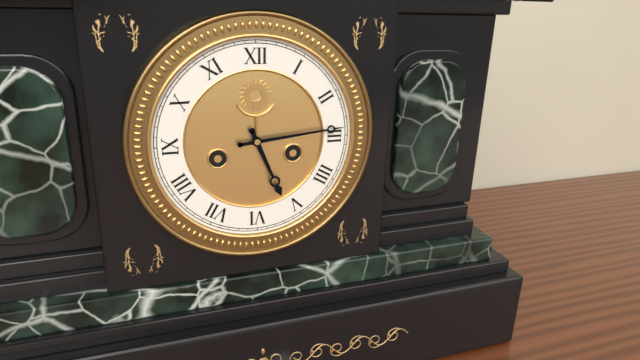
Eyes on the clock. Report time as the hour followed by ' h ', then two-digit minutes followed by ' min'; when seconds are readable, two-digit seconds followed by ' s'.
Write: 5 h 14 min
